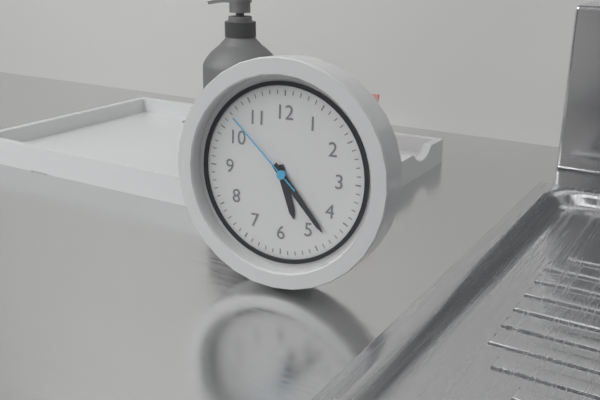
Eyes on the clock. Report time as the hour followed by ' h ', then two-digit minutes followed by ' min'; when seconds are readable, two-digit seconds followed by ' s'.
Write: 5 h 23 min 52 s
